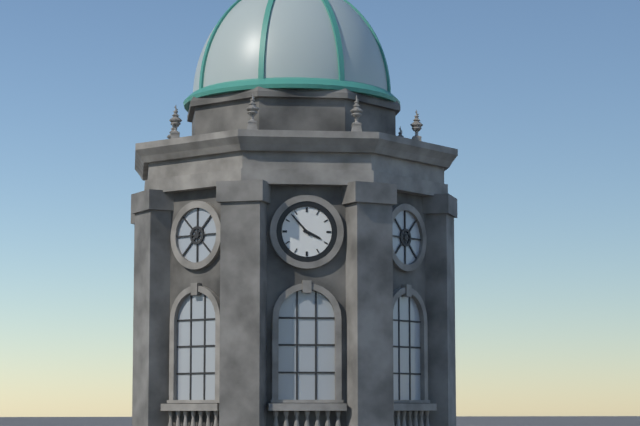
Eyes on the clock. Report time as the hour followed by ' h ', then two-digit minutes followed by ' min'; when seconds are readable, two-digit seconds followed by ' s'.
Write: 3 h 53 min
